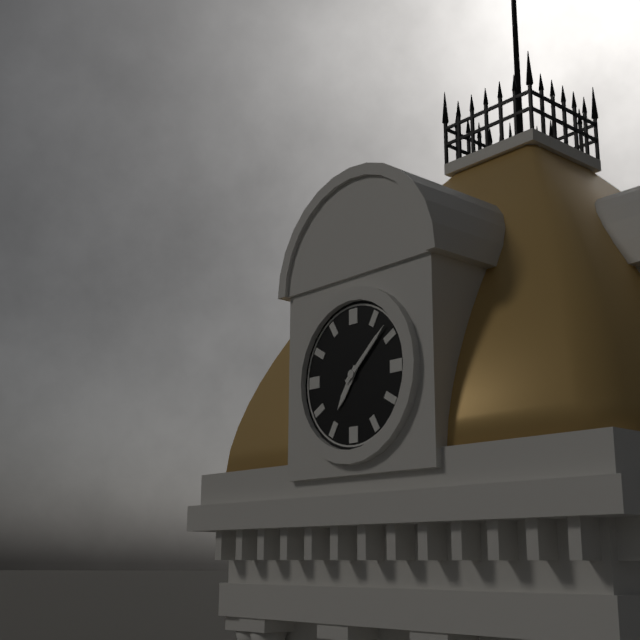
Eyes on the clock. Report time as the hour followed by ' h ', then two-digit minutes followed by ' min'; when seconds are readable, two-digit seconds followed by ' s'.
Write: 7 h 08 min
